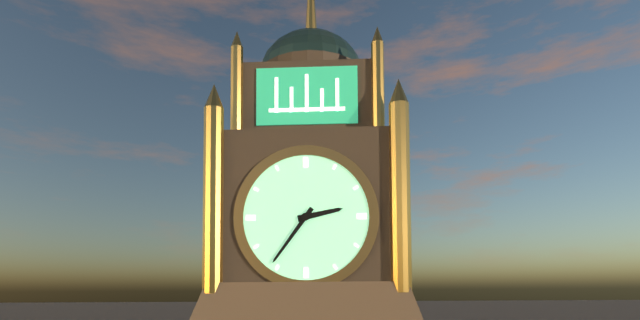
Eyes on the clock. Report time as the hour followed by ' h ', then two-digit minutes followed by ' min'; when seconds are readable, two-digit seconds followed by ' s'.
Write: 2 h 36 min
